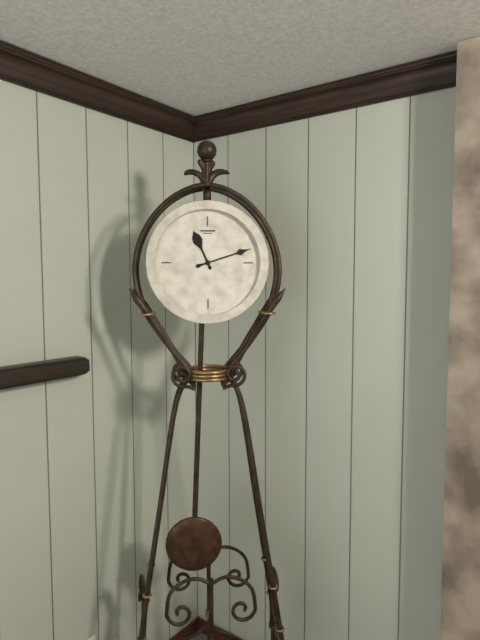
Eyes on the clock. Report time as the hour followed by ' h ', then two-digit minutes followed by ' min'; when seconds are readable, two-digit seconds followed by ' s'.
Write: 11 h 12 min
